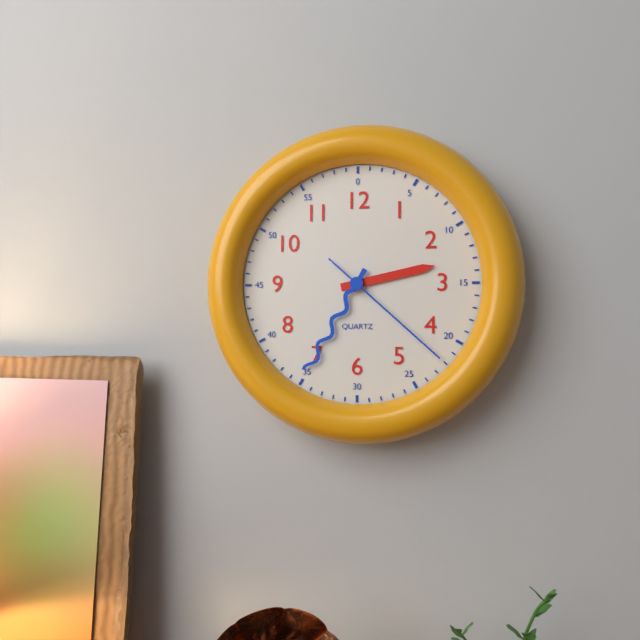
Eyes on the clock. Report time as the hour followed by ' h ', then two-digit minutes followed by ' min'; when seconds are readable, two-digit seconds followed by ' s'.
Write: 2 h 35 min 22 s
